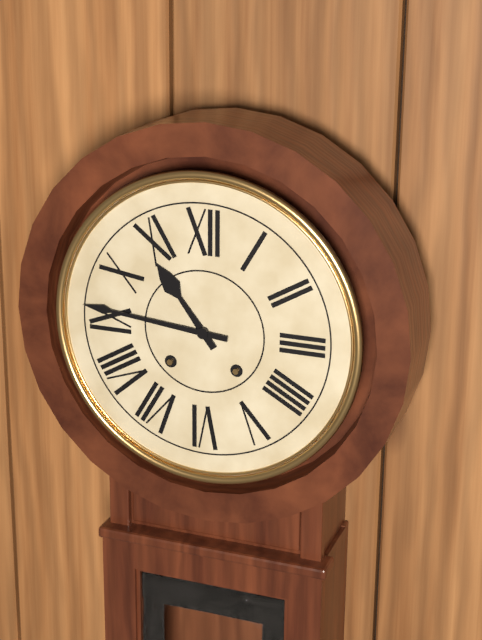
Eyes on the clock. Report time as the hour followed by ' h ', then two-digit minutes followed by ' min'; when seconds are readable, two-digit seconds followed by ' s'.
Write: 10 h 46 min
